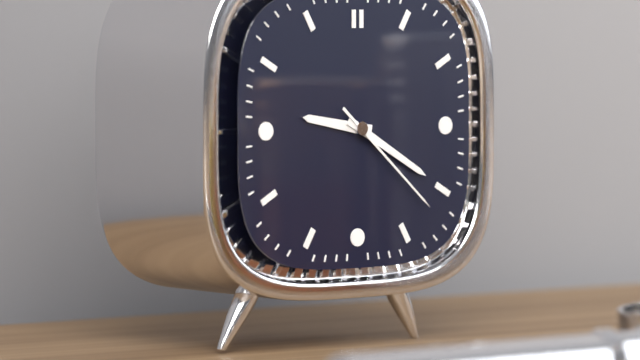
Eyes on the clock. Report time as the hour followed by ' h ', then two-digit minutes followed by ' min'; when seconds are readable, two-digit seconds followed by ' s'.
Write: 9 h 20 min 22 s
